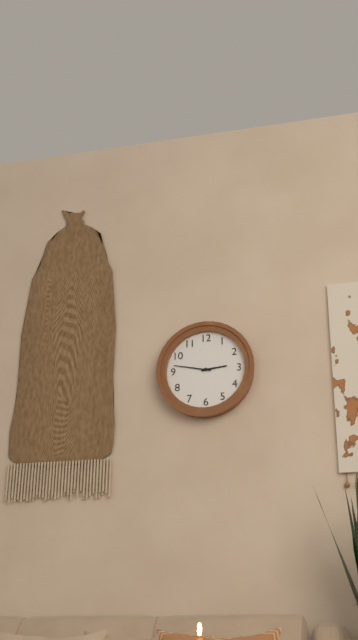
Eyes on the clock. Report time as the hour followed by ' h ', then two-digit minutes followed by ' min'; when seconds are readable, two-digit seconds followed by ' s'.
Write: 2 h 47 min
